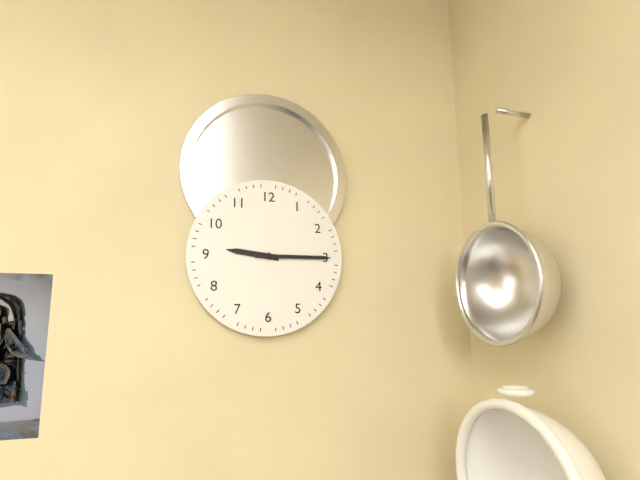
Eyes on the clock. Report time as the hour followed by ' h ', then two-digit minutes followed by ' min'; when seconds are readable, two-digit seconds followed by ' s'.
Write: 9 h 15 min
